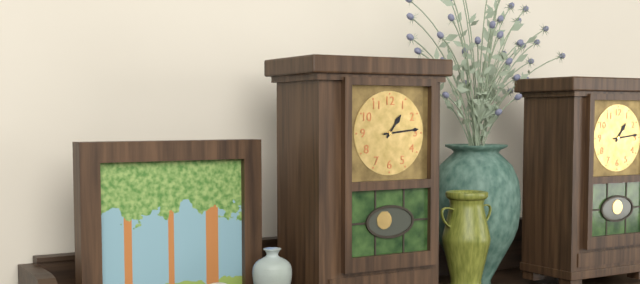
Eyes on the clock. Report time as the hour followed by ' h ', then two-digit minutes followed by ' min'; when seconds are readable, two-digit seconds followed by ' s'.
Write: 1 h 14 min
